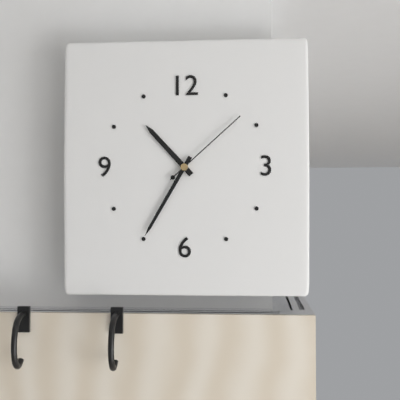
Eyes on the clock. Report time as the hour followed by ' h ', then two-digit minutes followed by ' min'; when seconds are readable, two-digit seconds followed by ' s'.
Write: 10 h 35 min 08 s
